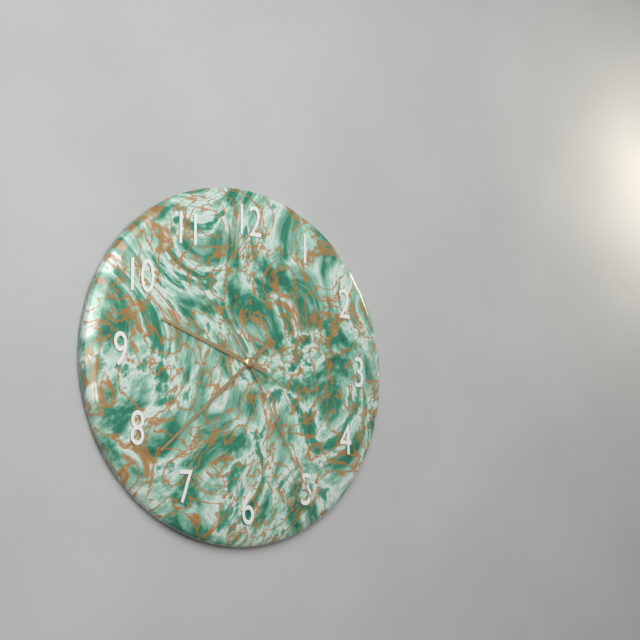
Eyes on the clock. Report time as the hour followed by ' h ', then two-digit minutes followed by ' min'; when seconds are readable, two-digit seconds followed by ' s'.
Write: 9 h 38 min 25 s
